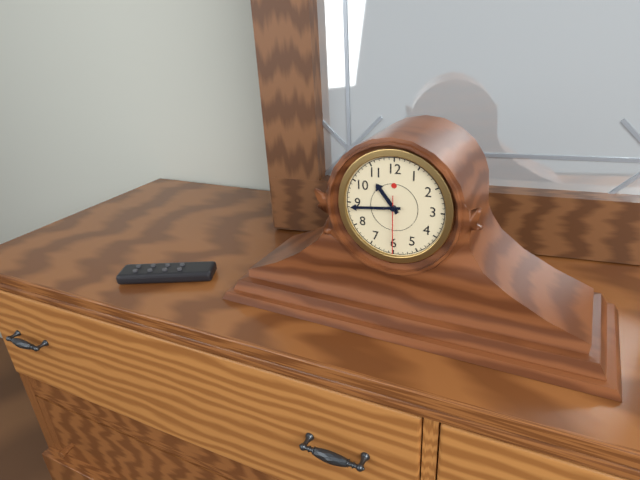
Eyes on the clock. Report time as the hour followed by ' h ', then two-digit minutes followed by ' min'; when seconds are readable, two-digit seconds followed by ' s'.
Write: 10 h 44 min 30 s
